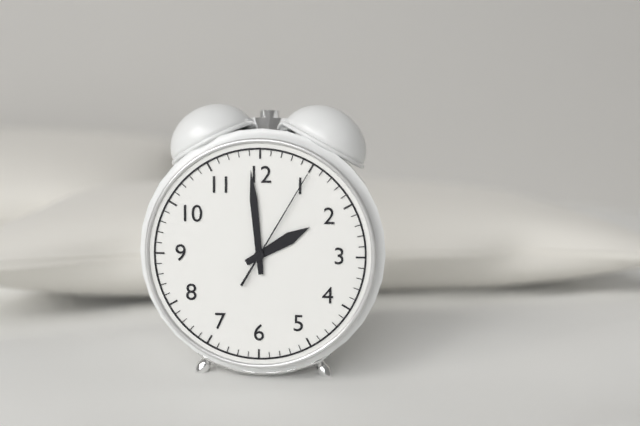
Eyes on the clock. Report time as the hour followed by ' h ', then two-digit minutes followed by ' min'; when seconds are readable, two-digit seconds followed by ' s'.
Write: 1 h 59 min 05 s
